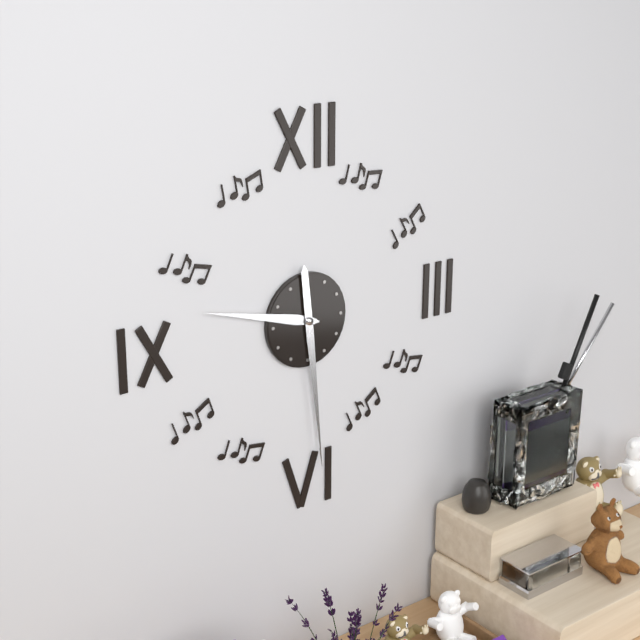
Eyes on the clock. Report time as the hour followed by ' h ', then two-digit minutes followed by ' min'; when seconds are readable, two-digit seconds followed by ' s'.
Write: 9 h 29 min
